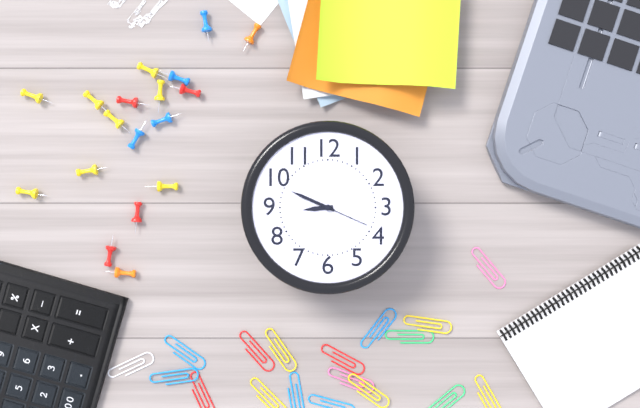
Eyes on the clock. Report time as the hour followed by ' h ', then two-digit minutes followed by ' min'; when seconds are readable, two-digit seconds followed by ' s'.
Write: 8 h 49 min 19 s
